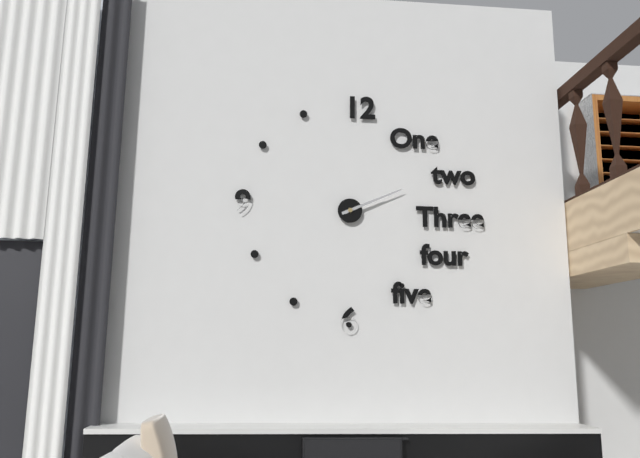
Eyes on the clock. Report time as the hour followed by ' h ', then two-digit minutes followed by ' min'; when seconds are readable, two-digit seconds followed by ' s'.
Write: 2 h 11 min
